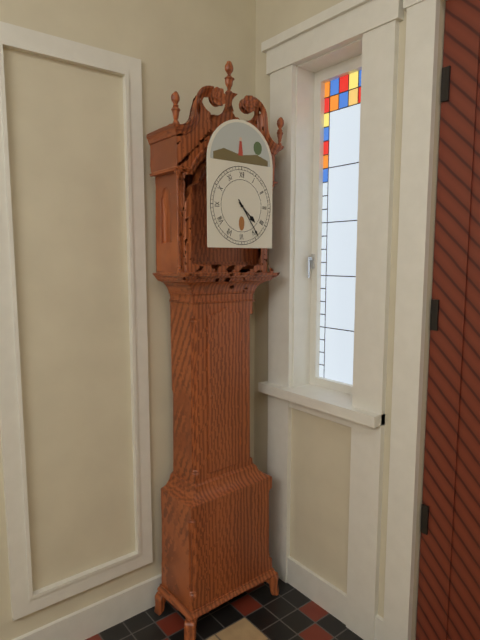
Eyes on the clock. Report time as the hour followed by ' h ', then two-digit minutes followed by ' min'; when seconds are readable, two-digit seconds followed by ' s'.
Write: 4 h 24 min
